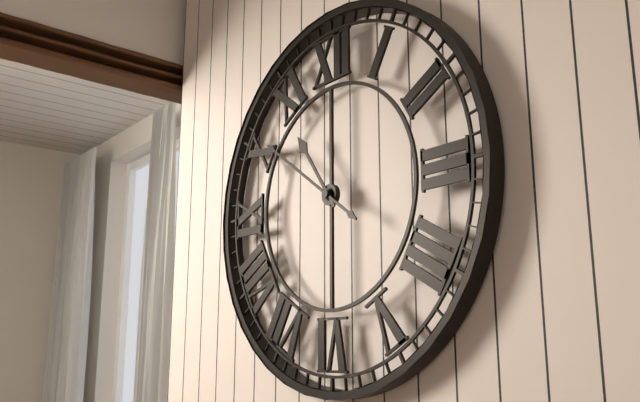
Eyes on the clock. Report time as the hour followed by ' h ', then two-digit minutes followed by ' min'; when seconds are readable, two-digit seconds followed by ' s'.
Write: 10 h 51 min
